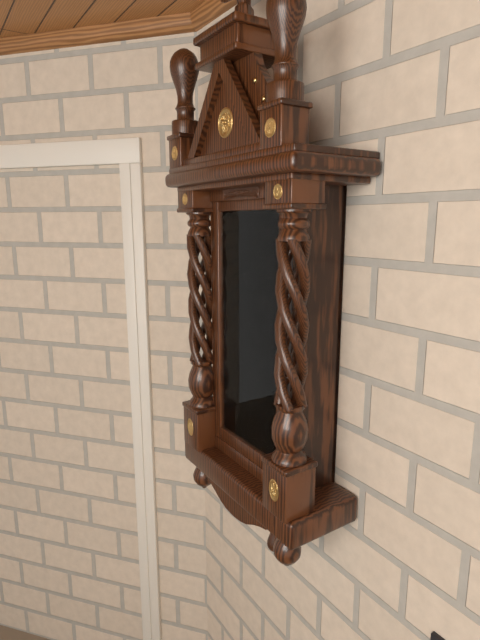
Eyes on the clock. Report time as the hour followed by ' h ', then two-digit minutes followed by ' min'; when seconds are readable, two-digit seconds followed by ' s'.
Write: 6 h 52 min
